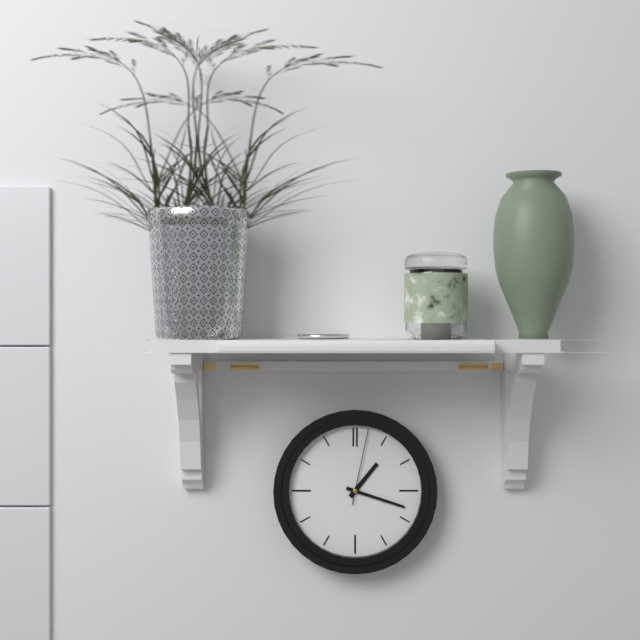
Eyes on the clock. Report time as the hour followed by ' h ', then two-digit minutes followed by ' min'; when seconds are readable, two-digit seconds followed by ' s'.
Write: 1 h 18 min 02 s
